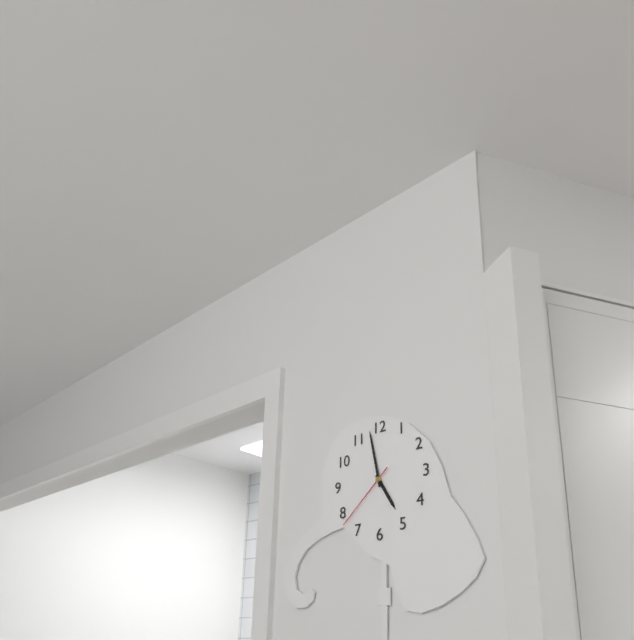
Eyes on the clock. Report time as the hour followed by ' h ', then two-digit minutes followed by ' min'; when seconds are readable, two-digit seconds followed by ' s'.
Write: 4 h 58 min 38 s
